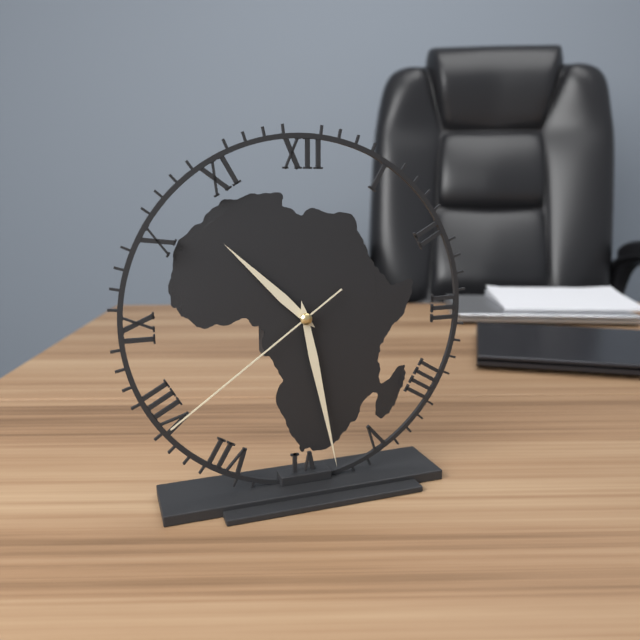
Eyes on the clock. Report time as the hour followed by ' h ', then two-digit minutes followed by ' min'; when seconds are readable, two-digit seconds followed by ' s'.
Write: 10 h 28 min 39 s
